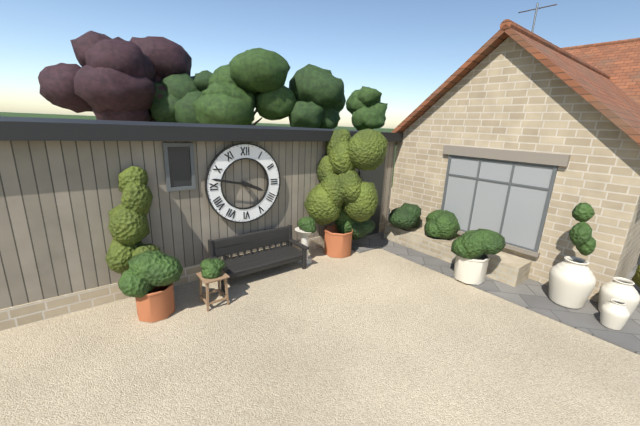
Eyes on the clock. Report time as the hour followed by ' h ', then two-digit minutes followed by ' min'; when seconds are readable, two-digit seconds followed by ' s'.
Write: 3 h 47 min
